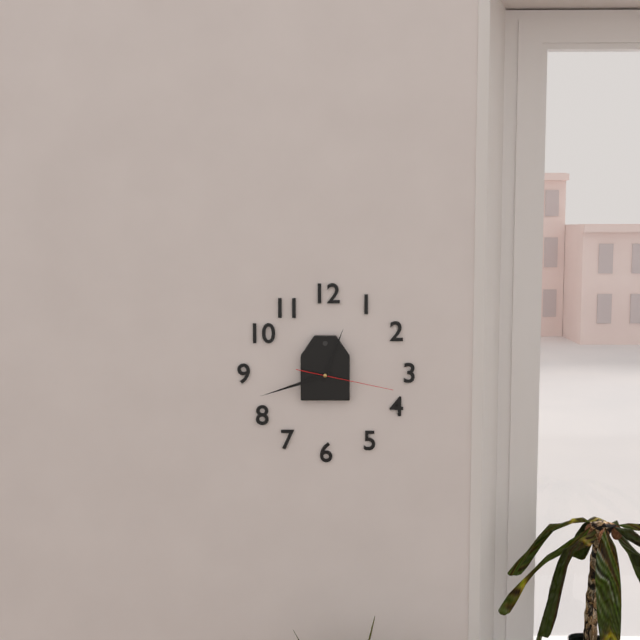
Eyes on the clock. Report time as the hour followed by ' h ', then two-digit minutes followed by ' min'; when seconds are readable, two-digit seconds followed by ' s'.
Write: 12 h 42 min 17 s
